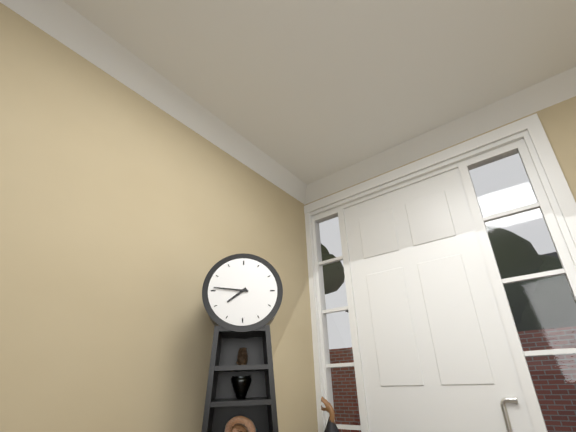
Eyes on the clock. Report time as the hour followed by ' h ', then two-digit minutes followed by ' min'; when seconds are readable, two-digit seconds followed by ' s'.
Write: 7 h 46 min
